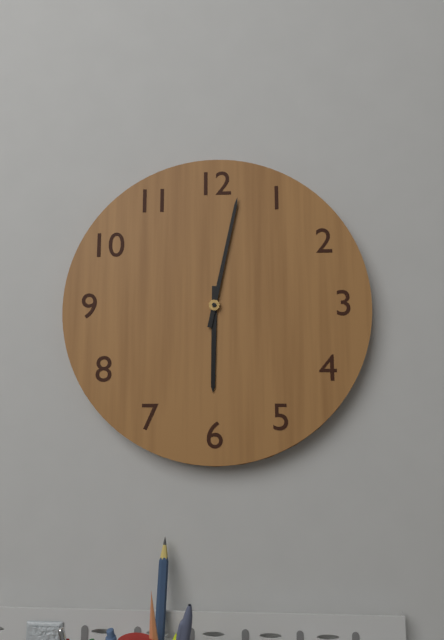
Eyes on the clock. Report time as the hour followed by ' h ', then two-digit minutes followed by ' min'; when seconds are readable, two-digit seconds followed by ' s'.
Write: 6 h 02 min
